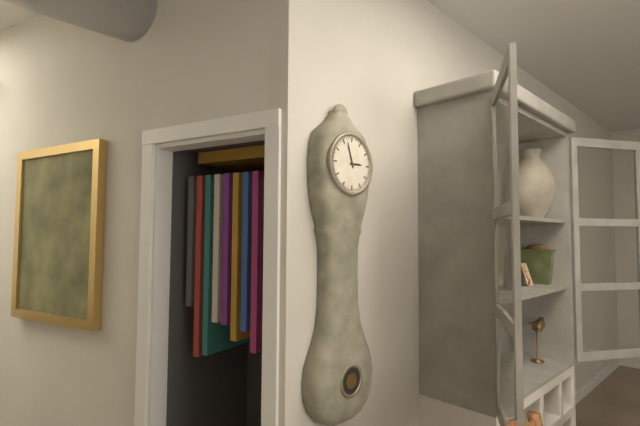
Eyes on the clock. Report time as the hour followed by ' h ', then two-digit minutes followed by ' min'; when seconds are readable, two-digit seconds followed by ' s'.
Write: 2 h 57 min
